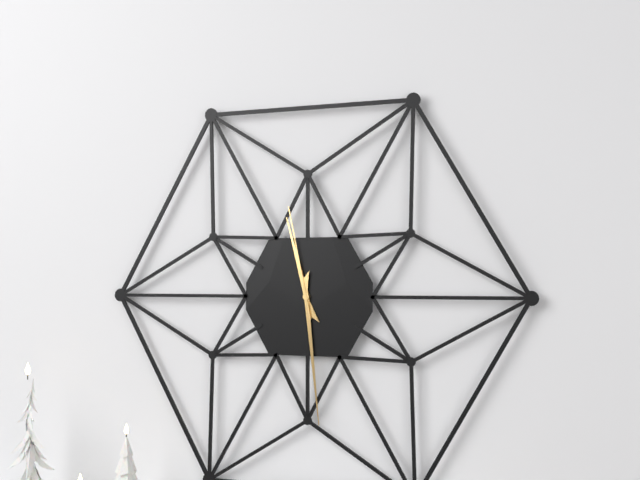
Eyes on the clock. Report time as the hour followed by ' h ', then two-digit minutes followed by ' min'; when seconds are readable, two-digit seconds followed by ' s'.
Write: 11 h 29 min 58 s
